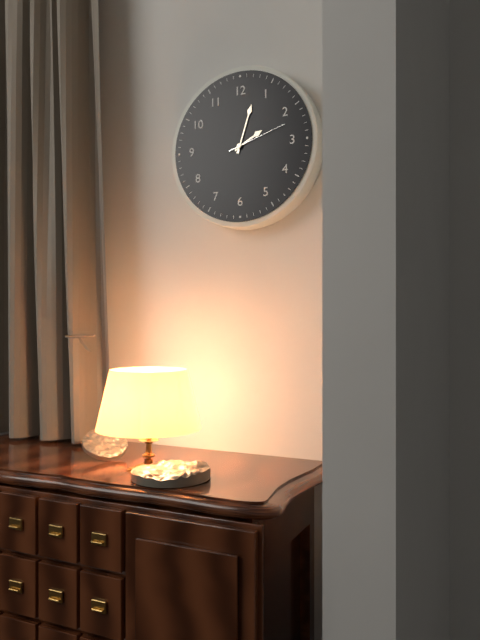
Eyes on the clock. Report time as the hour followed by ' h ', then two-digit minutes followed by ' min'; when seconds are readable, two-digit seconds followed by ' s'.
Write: 2 h 03 min 12 s
